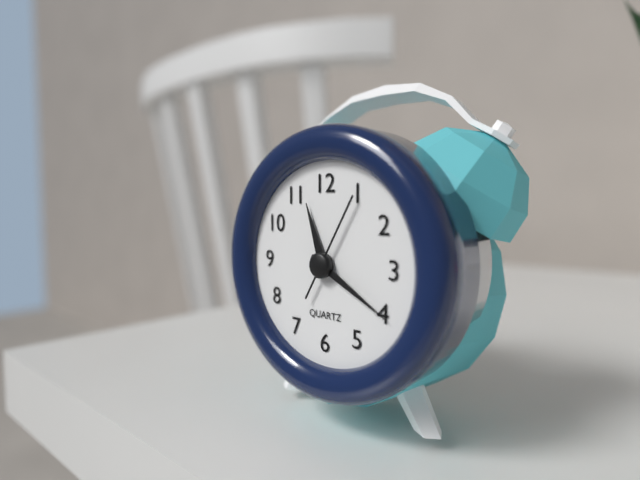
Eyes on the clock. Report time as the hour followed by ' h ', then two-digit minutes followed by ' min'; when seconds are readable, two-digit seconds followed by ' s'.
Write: 11 h 20 min 05 s
